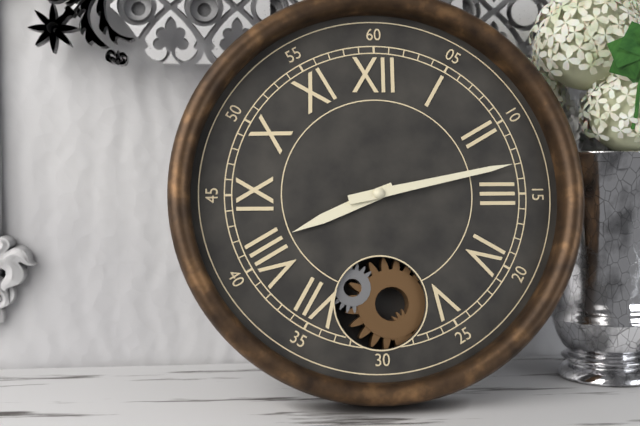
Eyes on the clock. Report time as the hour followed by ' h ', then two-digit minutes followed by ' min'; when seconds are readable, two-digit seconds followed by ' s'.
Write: 8 h 13 min
